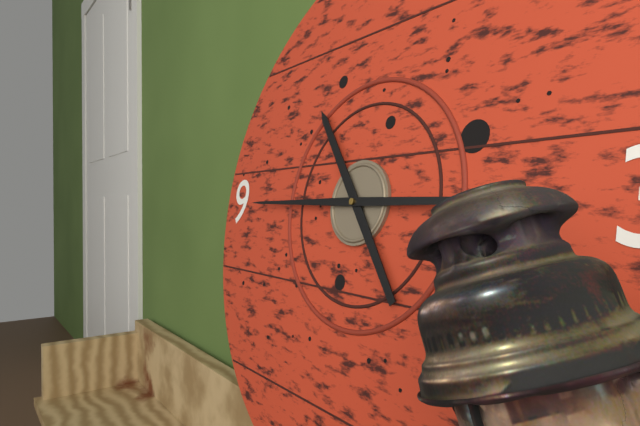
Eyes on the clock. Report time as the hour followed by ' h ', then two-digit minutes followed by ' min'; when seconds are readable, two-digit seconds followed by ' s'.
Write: 10 h 45 min
